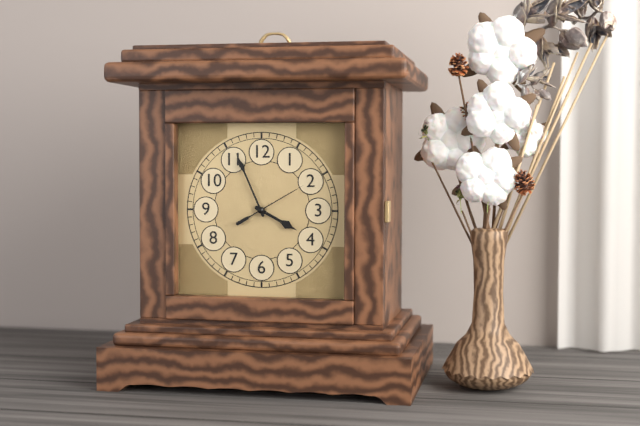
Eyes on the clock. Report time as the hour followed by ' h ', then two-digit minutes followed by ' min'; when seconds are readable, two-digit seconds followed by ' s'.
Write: 3 h 56 min 10 s
